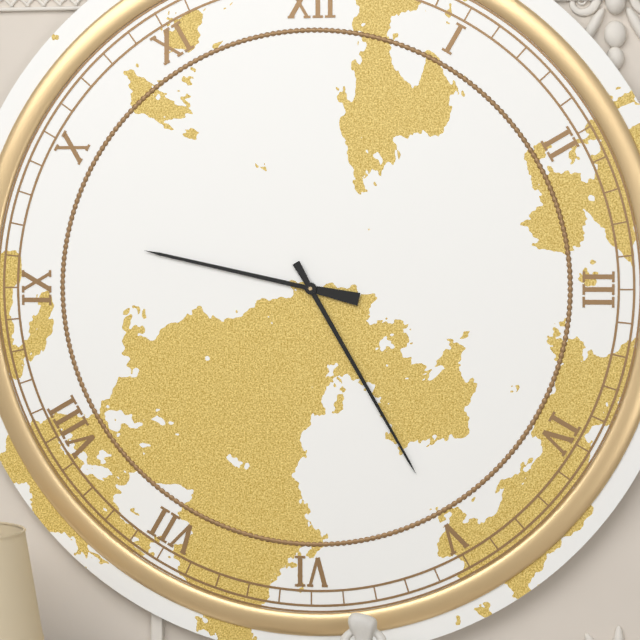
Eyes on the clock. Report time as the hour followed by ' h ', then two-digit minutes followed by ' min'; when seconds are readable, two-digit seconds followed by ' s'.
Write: 9 h 25 min
